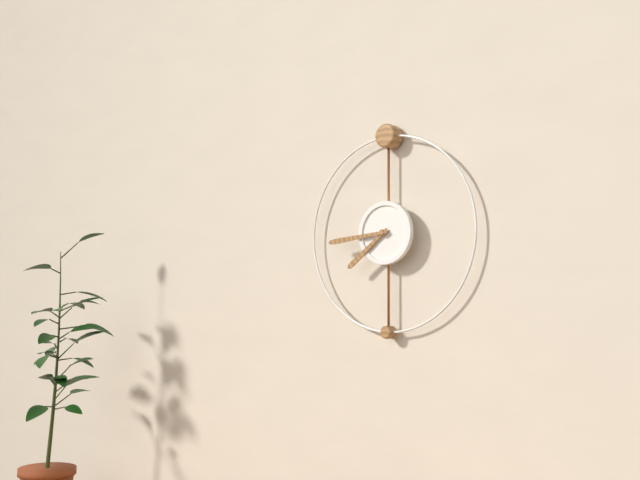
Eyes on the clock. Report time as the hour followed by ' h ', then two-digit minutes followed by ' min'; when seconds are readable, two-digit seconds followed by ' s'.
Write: 7 h 44 min
